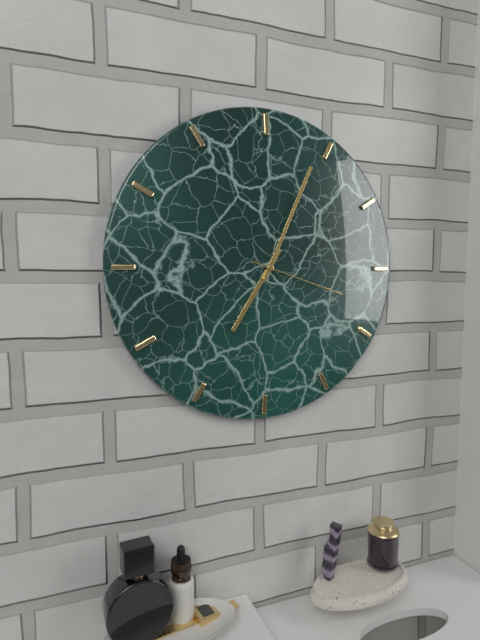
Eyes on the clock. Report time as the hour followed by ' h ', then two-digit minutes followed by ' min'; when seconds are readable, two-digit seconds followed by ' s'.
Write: 7 h 04 min 18 s
